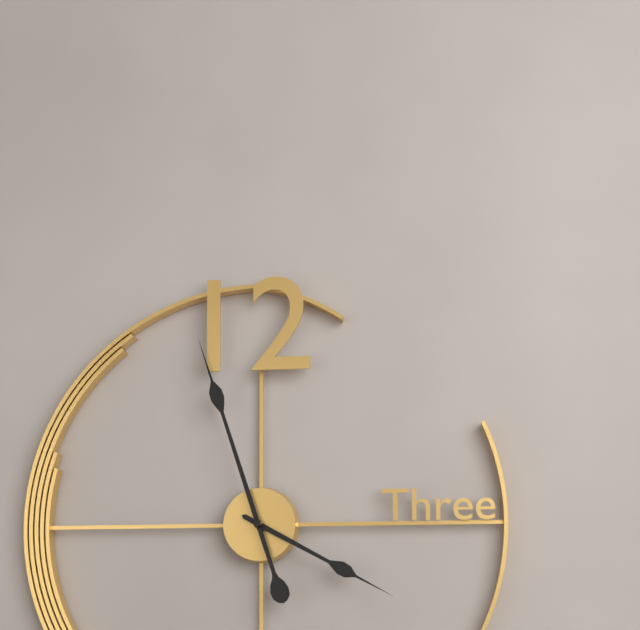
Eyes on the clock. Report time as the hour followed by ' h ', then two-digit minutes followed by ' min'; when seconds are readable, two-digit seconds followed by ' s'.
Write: 3 h 57 min
